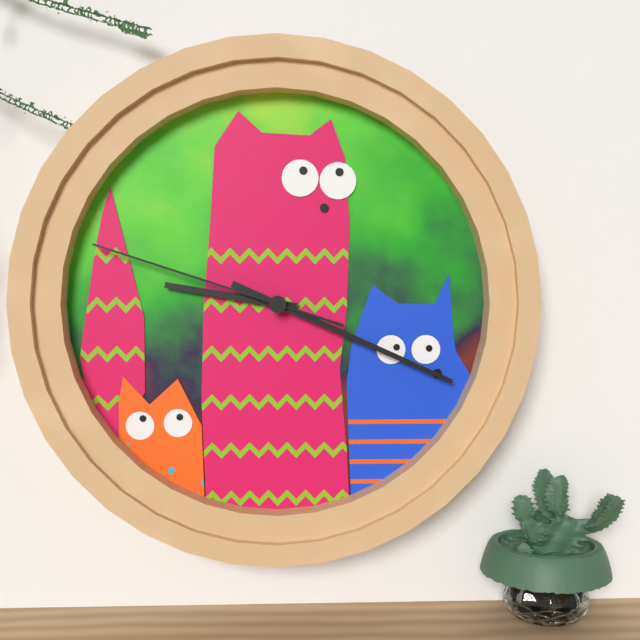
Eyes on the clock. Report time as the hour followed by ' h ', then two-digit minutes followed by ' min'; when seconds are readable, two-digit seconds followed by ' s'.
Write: 9 h 19 min 48 s
